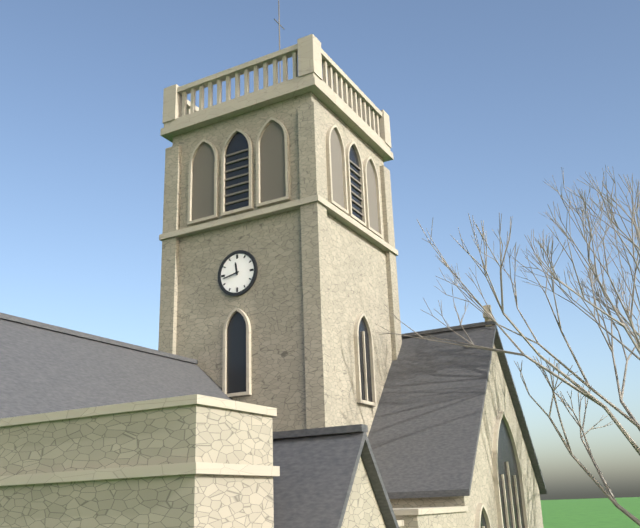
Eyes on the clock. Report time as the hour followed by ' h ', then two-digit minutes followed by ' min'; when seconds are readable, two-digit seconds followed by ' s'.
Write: 11 h 43 min
